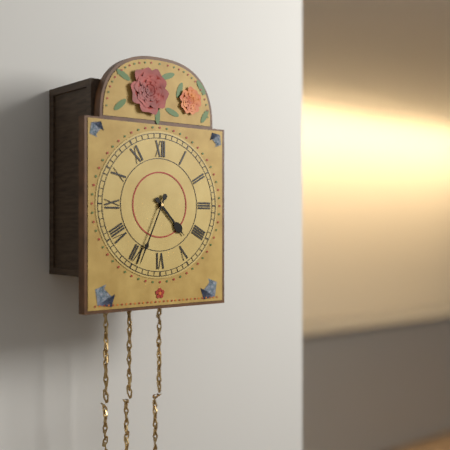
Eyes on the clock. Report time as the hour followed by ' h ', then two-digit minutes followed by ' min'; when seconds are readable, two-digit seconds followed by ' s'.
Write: 4 h 34 min
